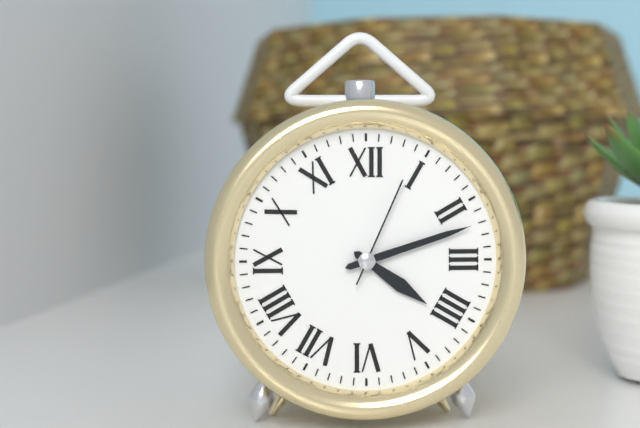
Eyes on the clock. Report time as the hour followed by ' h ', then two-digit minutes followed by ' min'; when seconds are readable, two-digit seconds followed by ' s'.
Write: 4 h 12 min 04 s
